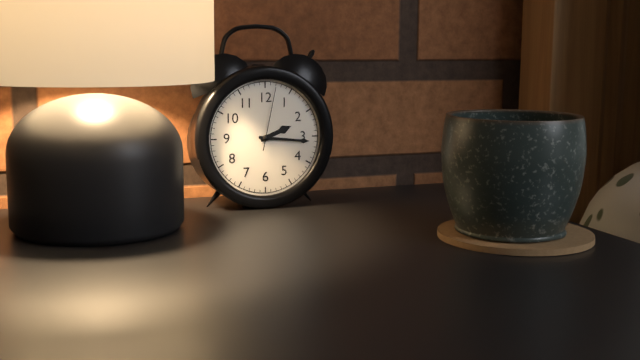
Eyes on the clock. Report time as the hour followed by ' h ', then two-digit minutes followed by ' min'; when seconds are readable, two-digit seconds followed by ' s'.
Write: 2 h 16 min 02 s
